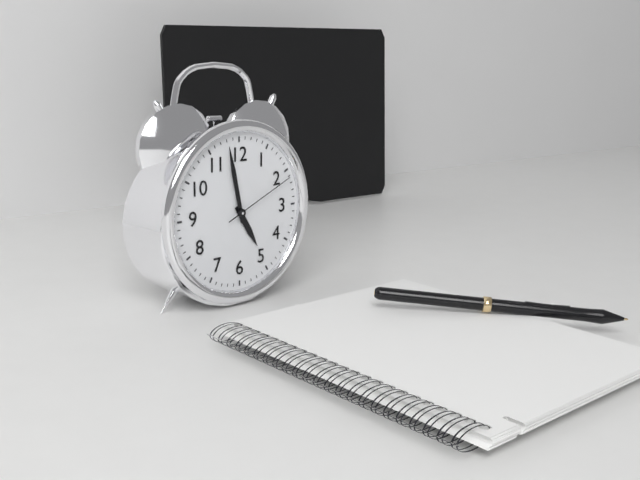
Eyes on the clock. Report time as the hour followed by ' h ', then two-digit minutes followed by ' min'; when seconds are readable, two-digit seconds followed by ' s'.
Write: 4 h 58 min 11 s
